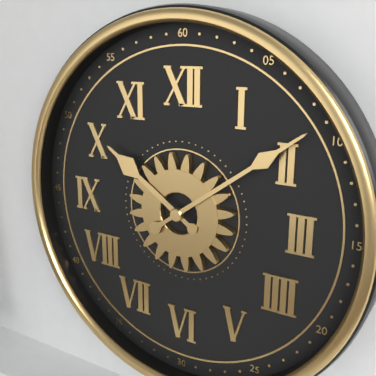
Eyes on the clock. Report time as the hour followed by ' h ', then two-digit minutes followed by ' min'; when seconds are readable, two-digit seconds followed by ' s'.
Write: 10 h 09 min
